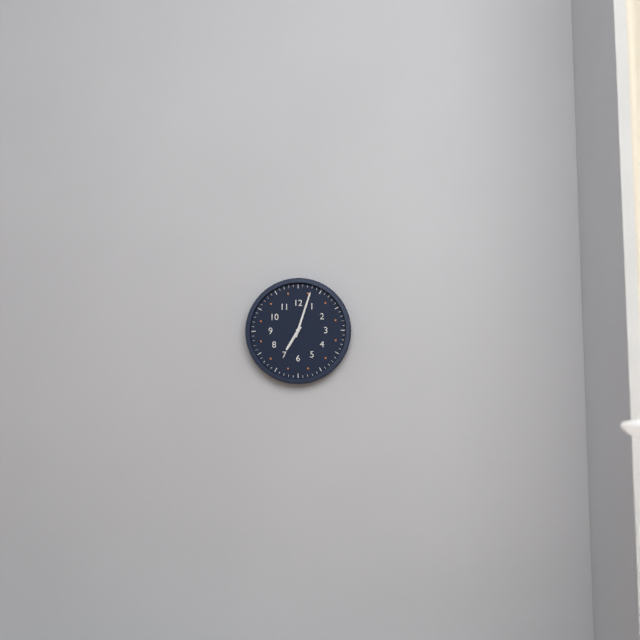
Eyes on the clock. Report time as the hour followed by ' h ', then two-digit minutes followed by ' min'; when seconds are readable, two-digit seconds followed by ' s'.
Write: 7 h 03 min
